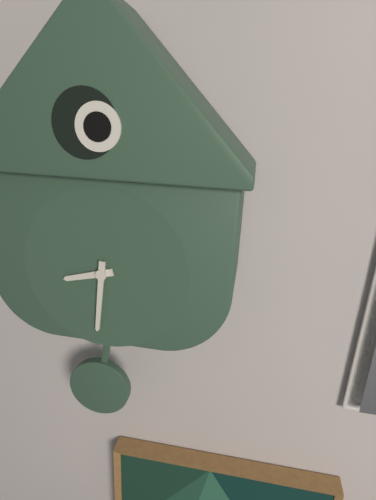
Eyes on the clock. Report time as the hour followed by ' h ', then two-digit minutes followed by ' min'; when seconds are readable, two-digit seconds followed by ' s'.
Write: 8 h 31 min
